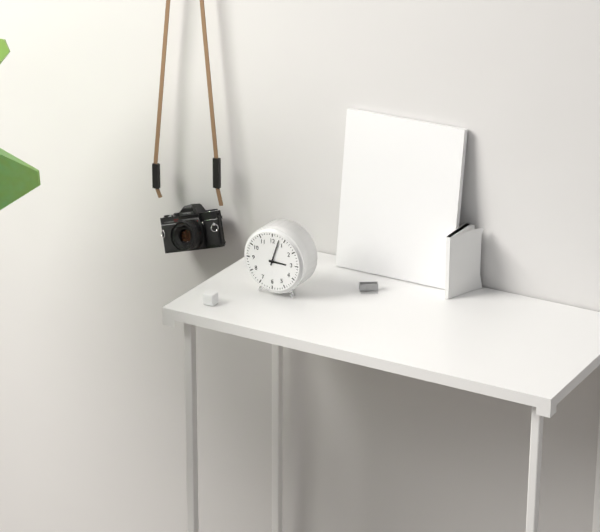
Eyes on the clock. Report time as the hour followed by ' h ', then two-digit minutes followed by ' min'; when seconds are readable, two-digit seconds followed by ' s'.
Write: 3 h 03 min
